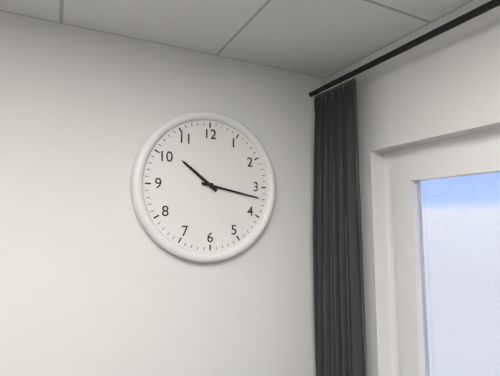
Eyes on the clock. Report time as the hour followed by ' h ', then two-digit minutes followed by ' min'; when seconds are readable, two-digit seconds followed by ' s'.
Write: 10 h 17 min
